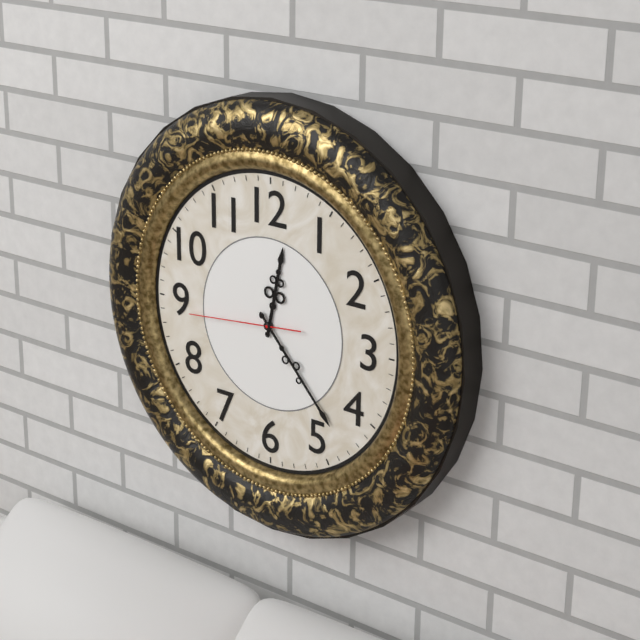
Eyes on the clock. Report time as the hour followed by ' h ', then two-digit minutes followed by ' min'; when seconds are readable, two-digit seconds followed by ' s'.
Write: 12 h 23 min 44 s
